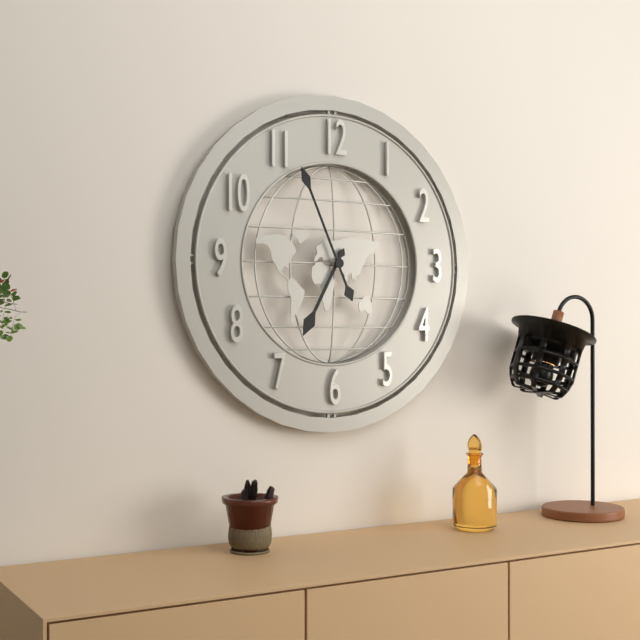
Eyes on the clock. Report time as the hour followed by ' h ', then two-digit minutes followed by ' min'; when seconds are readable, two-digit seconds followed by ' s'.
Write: 6 h 56 min
